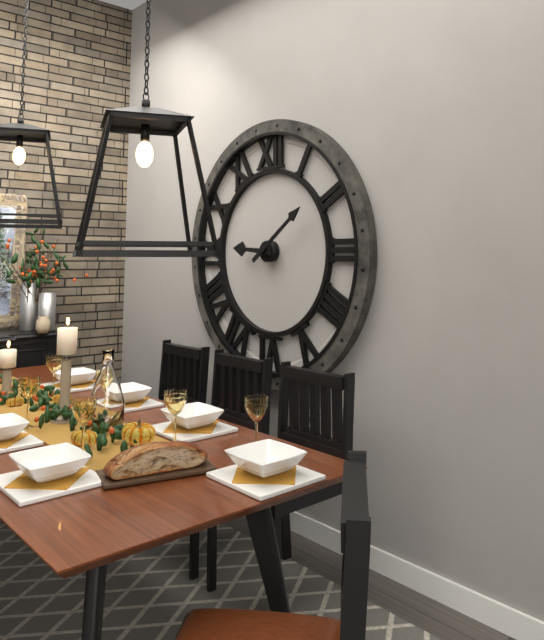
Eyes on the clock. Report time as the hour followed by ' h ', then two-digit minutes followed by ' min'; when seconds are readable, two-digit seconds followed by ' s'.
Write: 9 h 09 min
